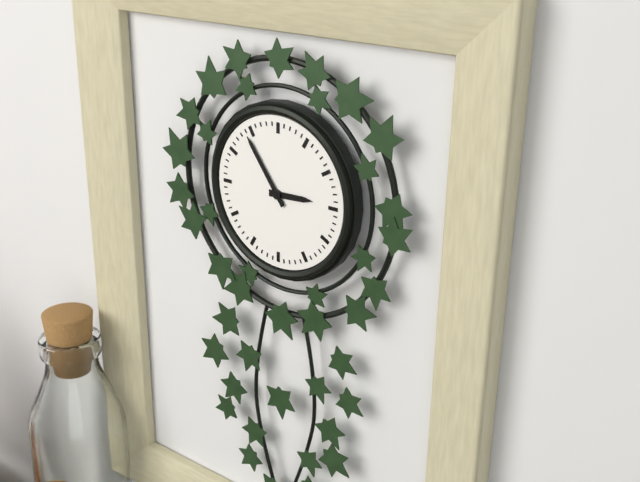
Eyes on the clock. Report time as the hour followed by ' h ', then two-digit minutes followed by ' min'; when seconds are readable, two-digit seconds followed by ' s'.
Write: 2 h 54 min
